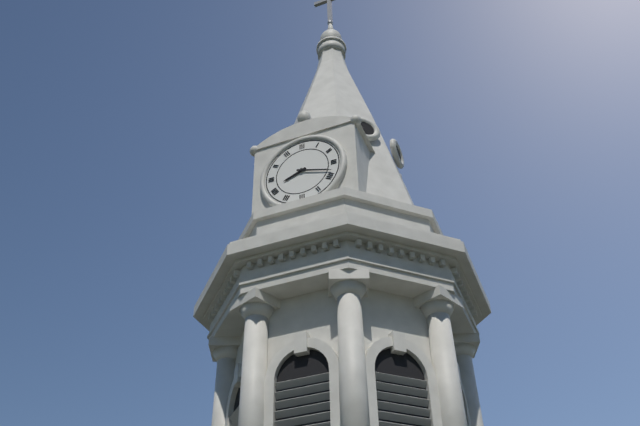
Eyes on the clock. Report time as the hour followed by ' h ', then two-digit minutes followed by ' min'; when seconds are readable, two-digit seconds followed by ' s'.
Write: 8 h 18 min
